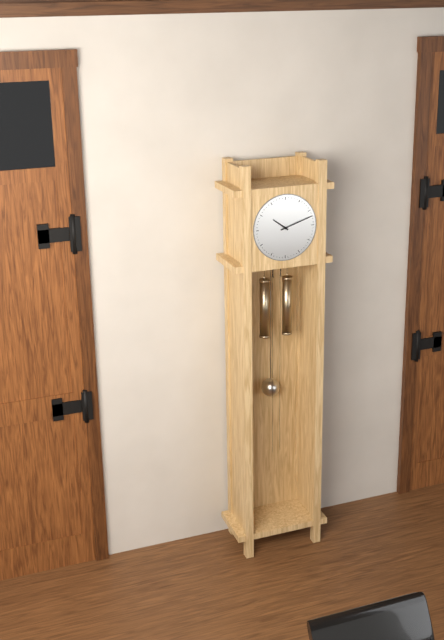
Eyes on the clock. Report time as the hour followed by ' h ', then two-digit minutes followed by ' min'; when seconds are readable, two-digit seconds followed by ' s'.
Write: 10 h 12 min
